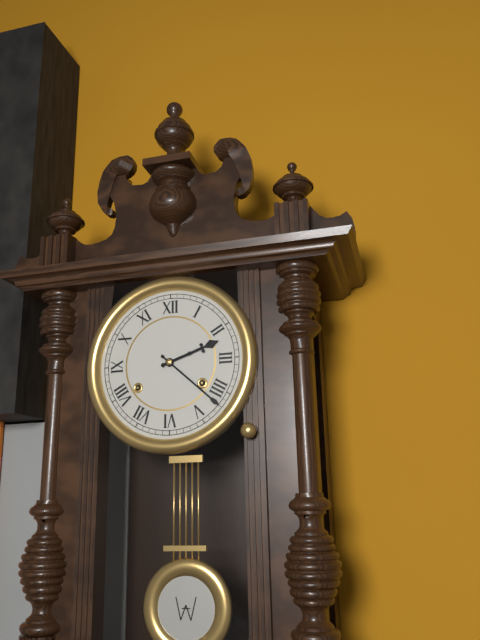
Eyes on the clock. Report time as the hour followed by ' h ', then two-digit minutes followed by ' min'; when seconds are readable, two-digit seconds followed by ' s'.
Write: 2 h 22 min
